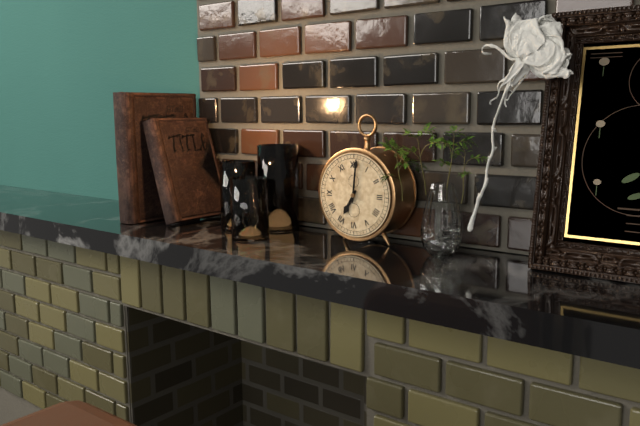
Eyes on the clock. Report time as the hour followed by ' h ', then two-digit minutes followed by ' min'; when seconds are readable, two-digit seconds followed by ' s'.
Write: 7 h 01 min
